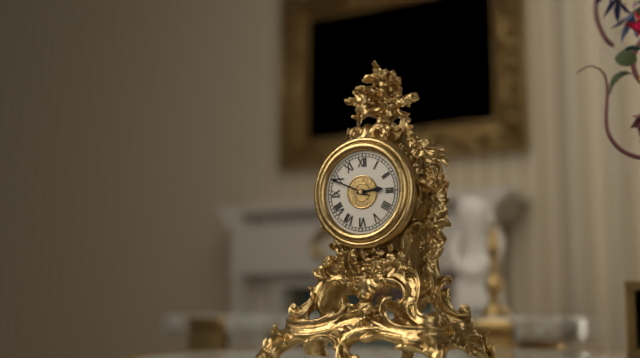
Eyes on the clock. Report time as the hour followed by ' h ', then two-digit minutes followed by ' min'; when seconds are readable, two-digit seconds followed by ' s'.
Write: 2 h 49 min
